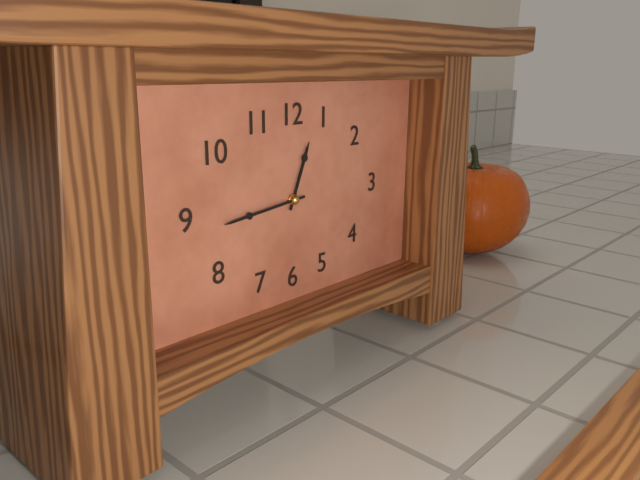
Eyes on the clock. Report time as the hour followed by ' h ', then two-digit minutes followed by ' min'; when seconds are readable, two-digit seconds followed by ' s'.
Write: 12 h 44 min
